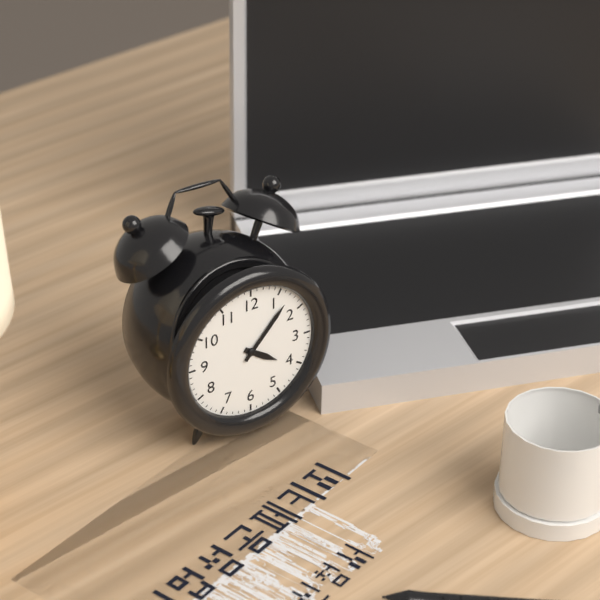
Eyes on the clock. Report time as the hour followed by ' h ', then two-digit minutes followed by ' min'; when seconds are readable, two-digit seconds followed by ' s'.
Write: 4 h 07 min
